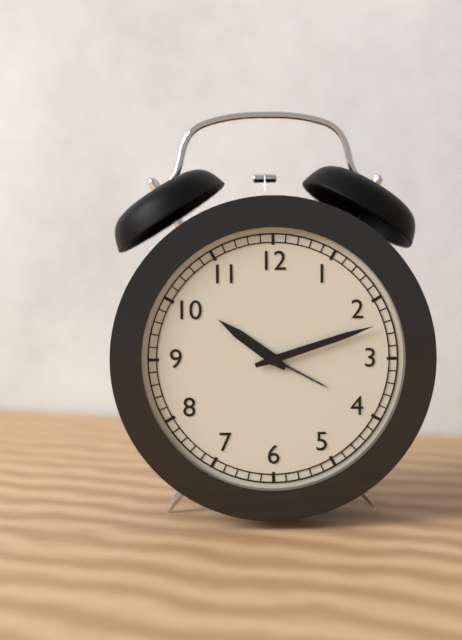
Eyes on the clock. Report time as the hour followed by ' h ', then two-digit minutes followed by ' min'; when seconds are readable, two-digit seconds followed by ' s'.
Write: 10 h 12 min
